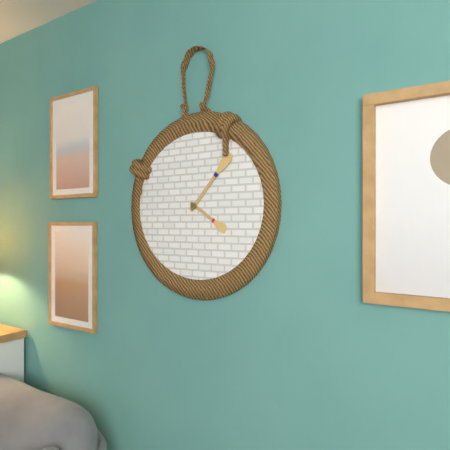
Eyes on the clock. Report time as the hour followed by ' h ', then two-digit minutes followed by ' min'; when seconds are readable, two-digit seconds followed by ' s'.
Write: 4 h 07 min
